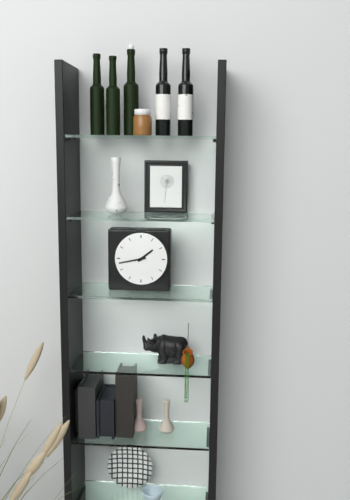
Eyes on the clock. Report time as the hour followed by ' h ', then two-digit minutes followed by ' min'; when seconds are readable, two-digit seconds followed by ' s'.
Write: 1 h 43 min
